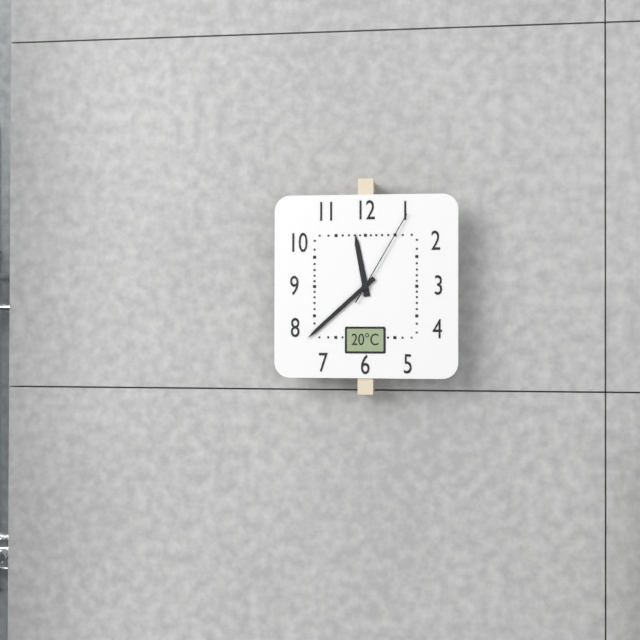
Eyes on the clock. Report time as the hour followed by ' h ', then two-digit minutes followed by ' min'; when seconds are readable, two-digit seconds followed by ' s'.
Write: 11 h 38 min 05 s
